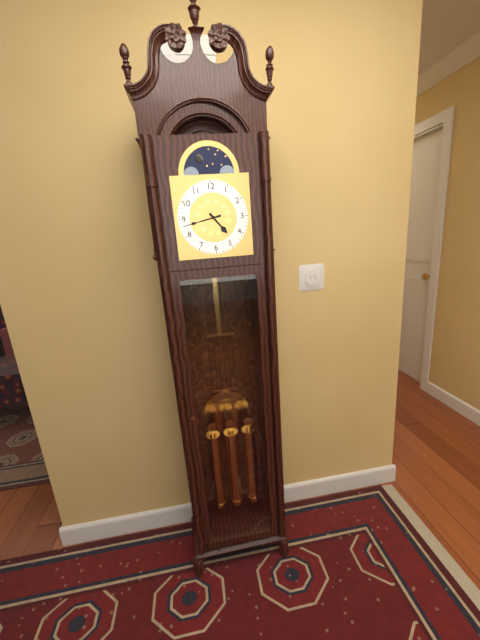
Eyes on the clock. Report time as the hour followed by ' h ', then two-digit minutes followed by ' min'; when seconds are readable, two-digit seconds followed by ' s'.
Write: 4 h 43 min
